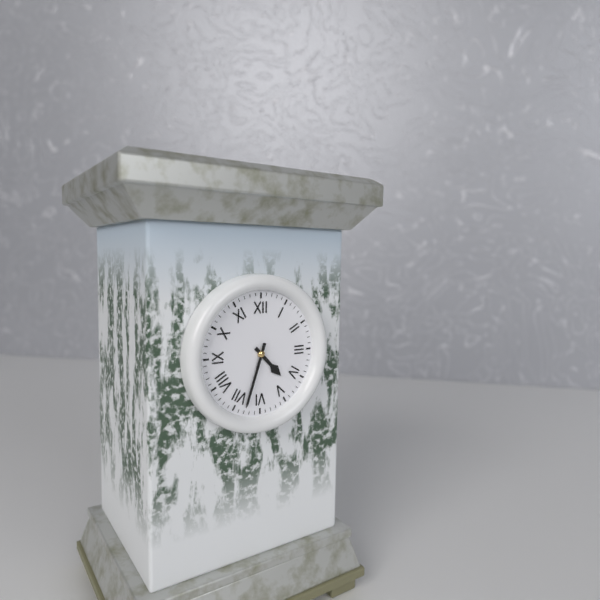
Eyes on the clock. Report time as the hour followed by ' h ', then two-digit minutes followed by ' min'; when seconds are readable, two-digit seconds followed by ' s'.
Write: 4 h 33 min
